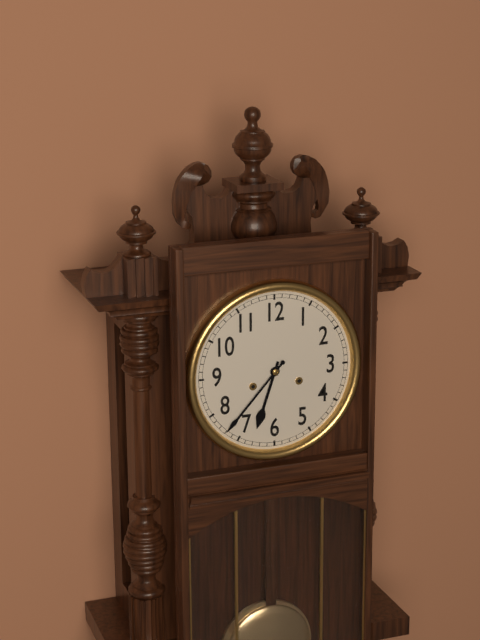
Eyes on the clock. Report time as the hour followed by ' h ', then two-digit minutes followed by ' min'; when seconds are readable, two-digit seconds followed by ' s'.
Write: 6 h 37 min
